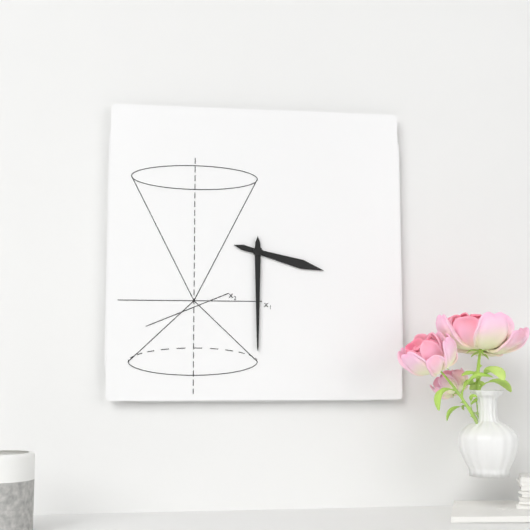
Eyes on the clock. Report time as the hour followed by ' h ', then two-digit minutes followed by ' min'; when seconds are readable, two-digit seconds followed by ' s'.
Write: 3 h 30 min
